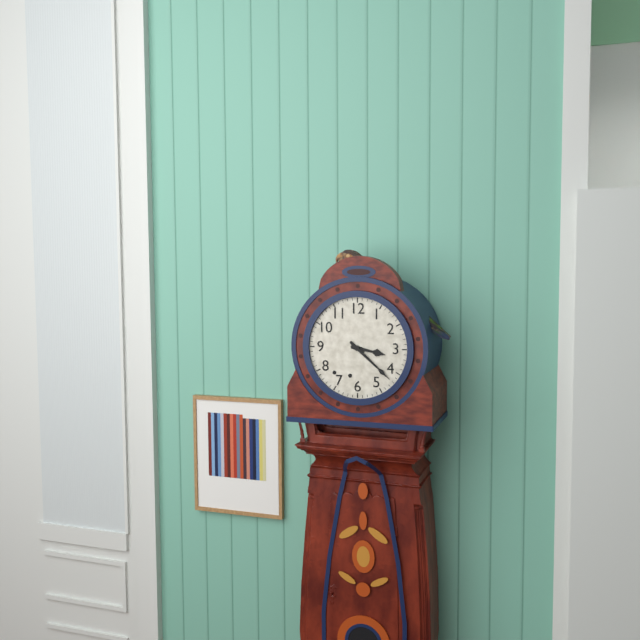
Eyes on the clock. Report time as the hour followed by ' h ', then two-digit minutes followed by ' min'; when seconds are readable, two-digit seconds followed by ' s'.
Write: 3 h 22 min
